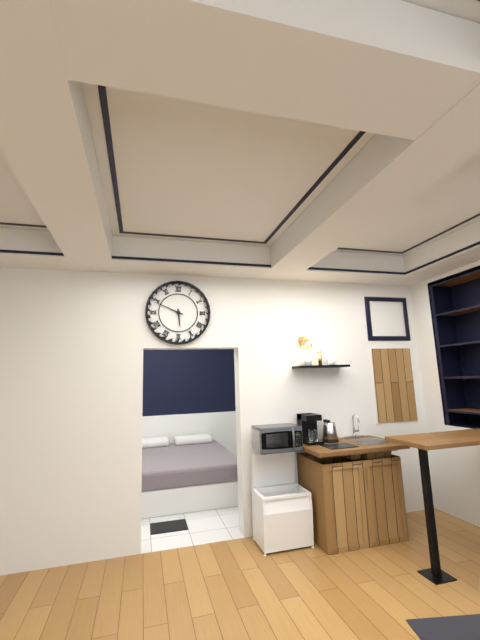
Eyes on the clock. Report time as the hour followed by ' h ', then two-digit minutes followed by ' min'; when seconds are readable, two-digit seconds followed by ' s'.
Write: 5 h 49 min
